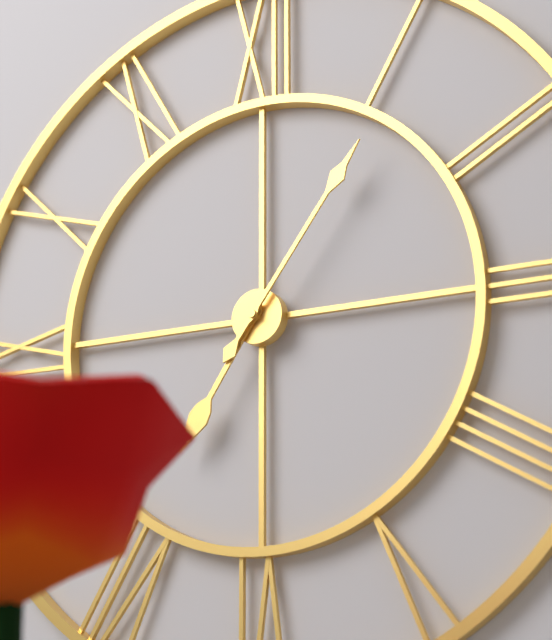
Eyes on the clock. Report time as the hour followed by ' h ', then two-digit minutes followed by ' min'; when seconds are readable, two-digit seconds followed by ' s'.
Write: 7 h 06 min
